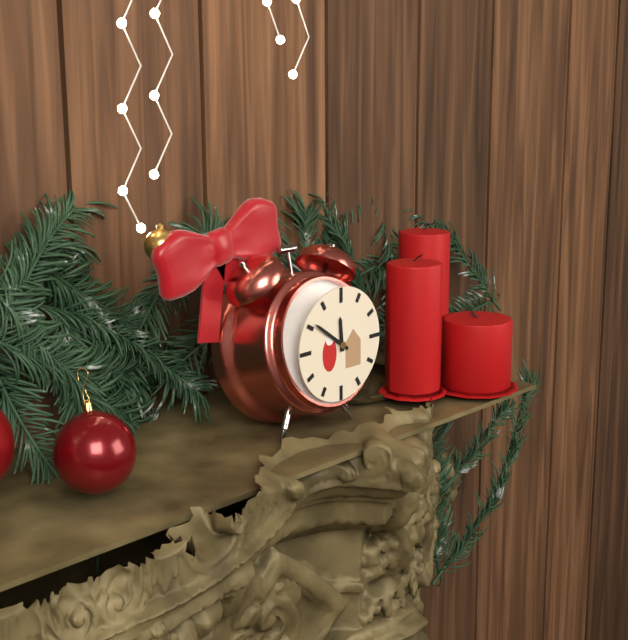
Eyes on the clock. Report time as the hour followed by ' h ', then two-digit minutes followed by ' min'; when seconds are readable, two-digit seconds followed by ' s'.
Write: 11 h 51 min
